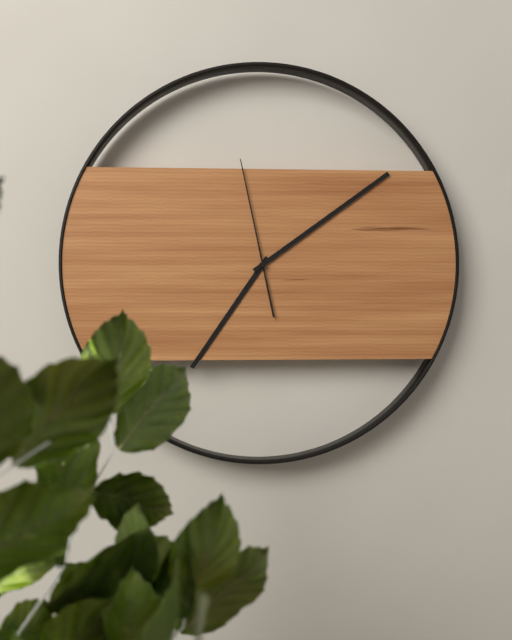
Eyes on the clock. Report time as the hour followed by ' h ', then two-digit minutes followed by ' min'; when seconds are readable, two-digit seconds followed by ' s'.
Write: 7 h 09 min 58 s
